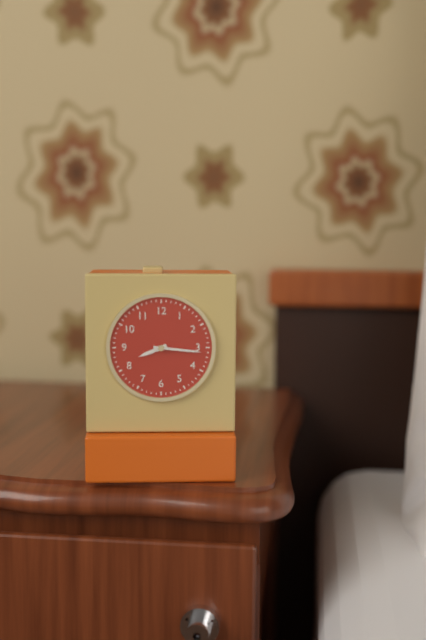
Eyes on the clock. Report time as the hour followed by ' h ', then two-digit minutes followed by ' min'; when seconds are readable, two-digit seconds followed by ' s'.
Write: 8 h 16 min
